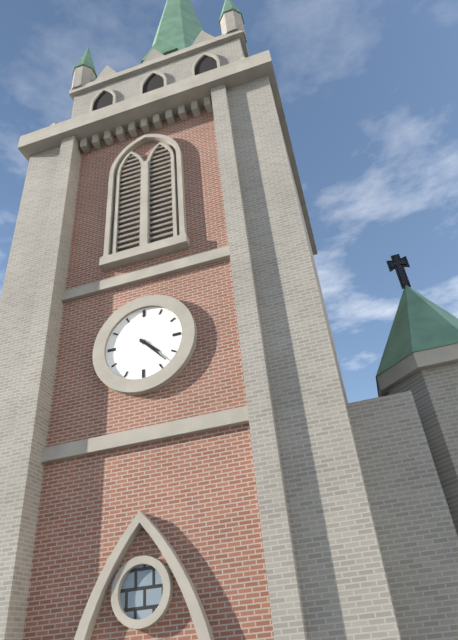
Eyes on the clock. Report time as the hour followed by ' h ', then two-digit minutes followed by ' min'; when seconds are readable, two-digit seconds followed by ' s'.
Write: 4 h 23 min
